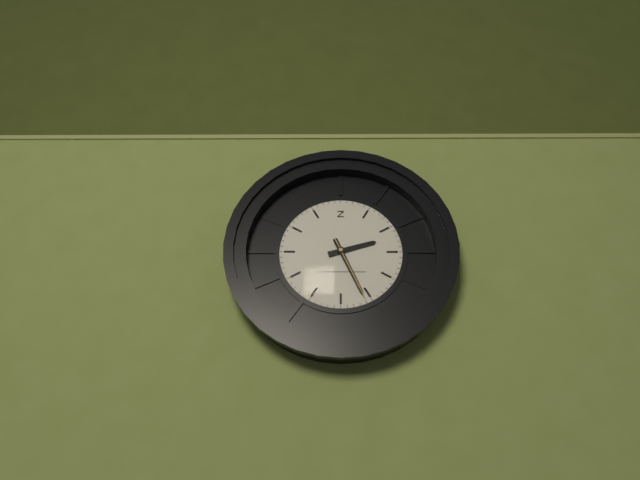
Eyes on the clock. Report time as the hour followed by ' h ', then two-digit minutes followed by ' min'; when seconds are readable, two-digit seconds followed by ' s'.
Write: 2 h 26 min 26 s
